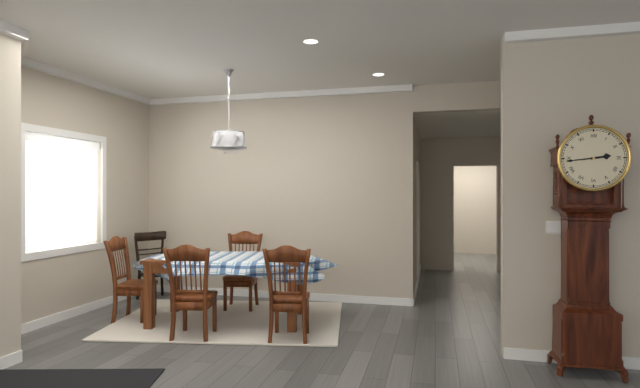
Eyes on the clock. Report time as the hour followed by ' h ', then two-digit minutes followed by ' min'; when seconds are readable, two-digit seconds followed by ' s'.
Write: 2 h 44 min
